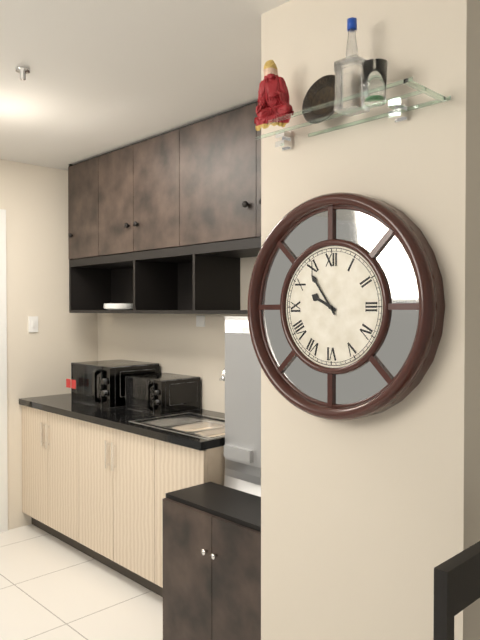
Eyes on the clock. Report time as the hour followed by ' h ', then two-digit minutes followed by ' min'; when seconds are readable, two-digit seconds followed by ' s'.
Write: 9 h 54 min
